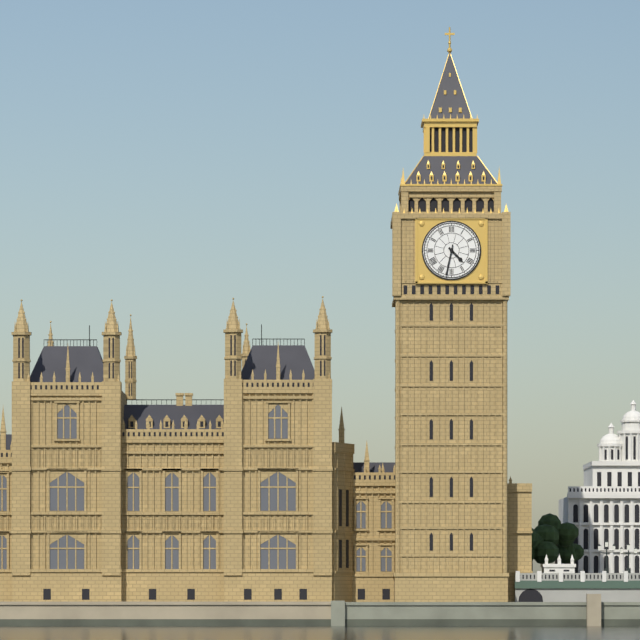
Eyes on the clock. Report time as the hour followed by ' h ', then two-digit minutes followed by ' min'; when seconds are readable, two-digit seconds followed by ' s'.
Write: 4 h 32 min
